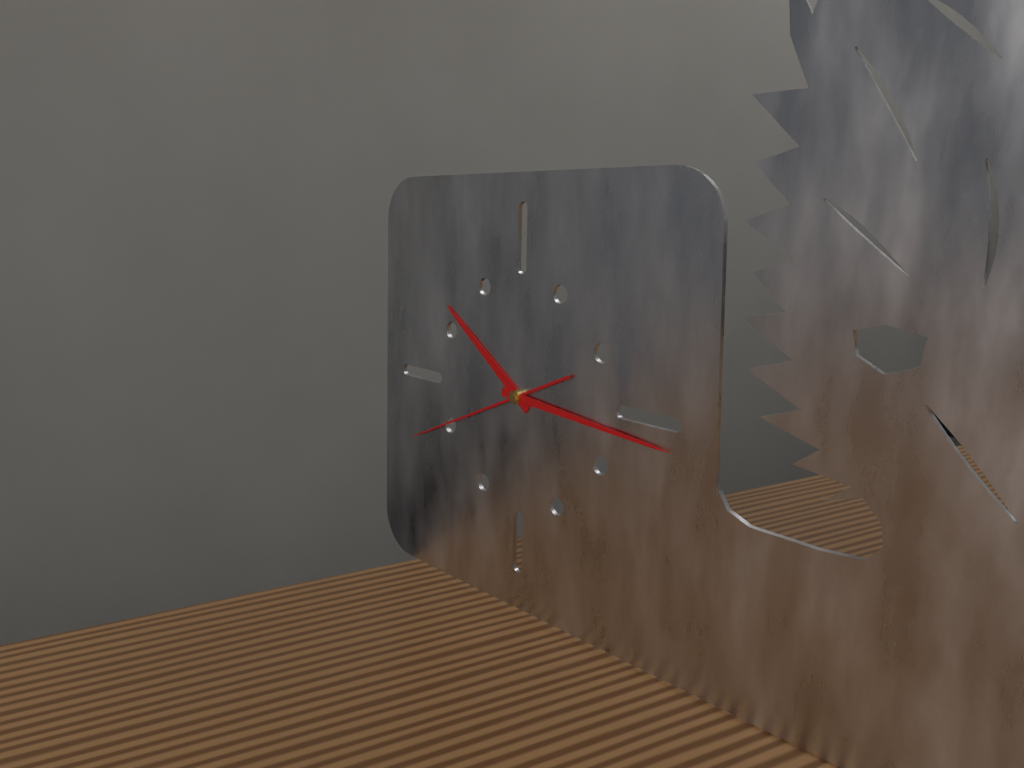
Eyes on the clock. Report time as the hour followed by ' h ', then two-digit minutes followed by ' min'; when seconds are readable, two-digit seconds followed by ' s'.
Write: 10 h 16 min 41 s
